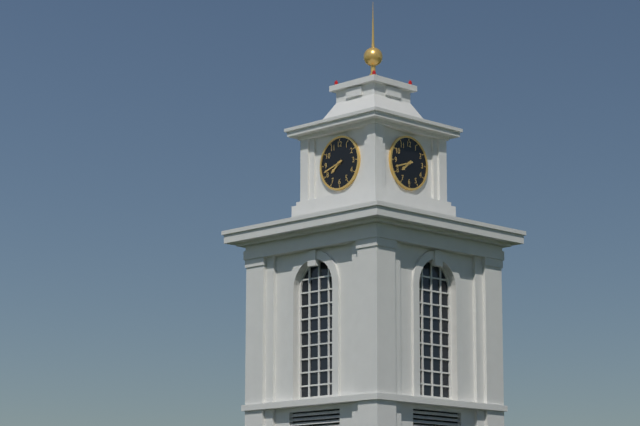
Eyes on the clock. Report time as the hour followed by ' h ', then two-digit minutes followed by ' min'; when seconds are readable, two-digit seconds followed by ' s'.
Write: 7 h 42 min
